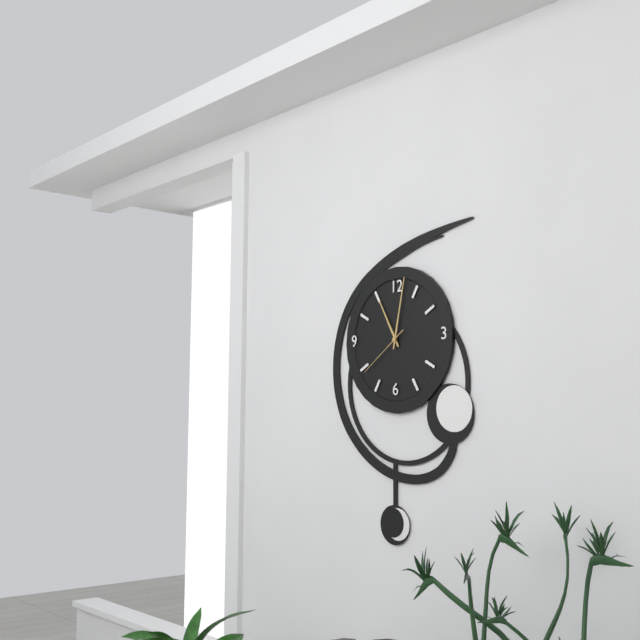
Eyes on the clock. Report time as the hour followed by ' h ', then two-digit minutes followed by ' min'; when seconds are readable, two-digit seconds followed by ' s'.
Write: 11 h 02 min 39 s
